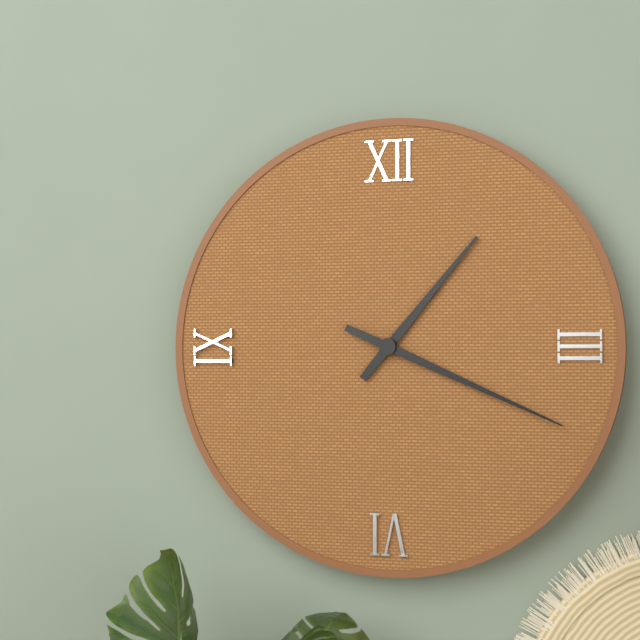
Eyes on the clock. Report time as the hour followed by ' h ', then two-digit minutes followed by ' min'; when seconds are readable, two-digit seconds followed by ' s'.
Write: 1 h 19 min
